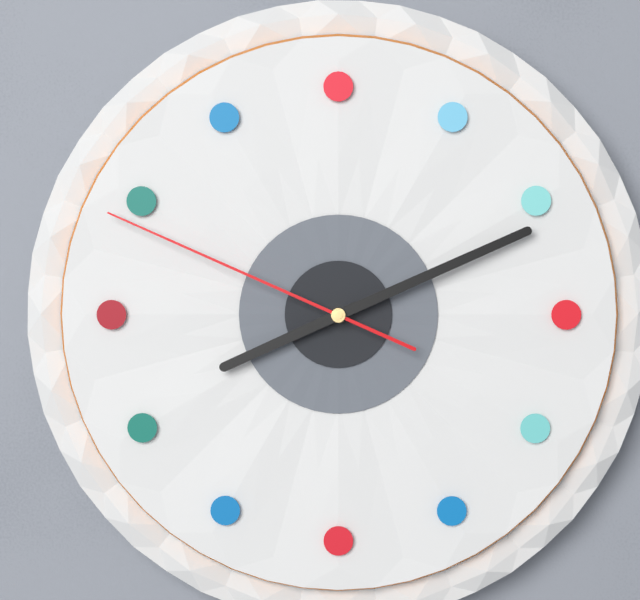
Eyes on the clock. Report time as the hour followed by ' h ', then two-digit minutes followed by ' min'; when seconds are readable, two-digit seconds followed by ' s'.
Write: 8 h 11 min 49 s
